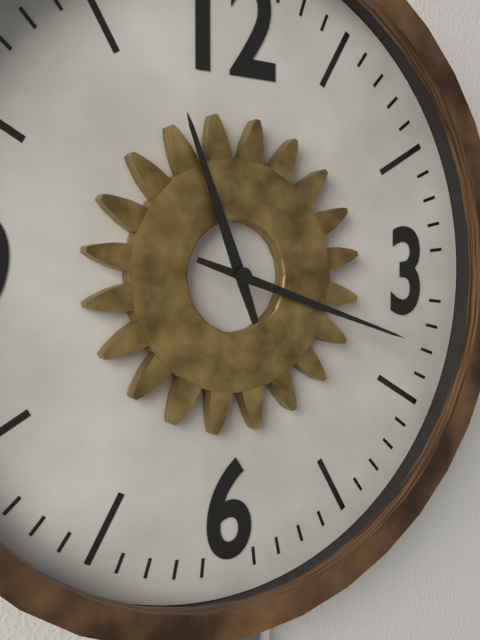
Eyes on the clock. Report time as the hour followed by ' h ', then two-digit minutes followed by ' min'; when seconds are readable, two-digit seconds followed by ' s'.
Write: 11 h 18 min
